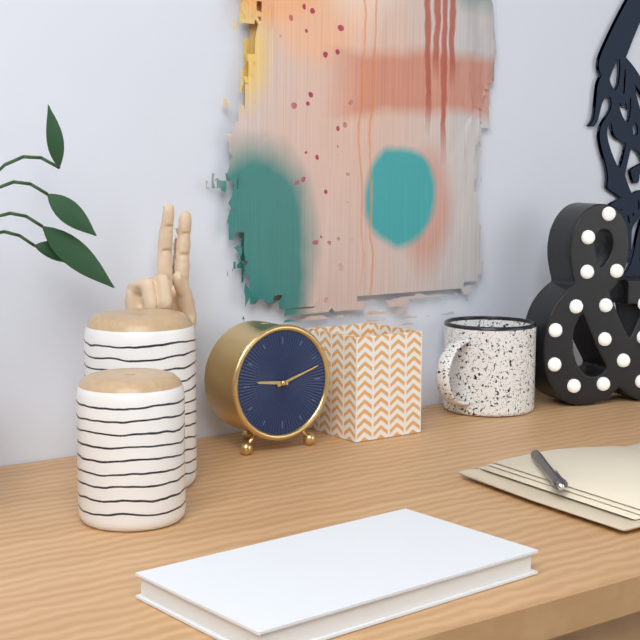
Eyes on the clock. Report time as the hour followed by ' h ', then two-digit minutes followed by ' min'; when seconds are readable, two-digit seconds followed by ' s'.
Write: 9 h 12 min
